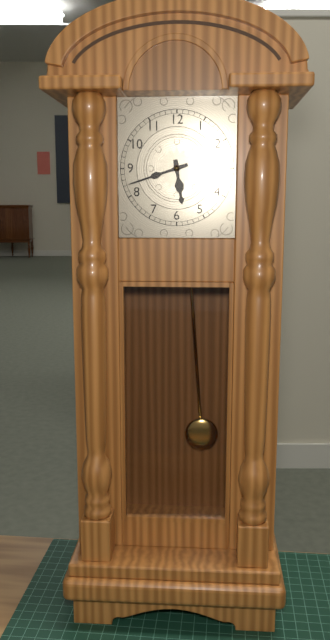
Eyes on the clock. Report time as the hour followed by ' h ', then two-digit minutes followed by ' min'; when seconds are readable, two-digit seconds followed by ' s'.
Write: 5 h 42 min
